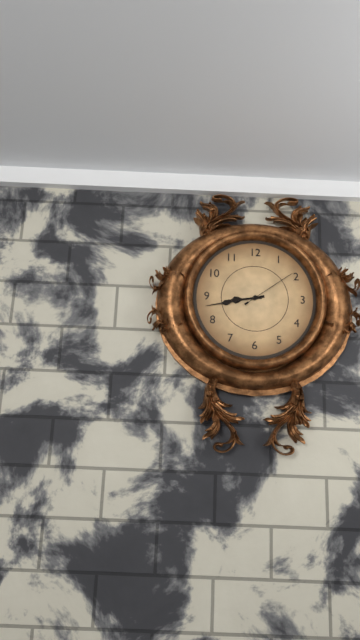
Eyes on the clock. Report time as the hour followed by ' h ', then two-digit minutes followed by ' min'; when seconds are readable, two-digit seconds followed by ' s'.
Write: 8 h 43 min 09 s
